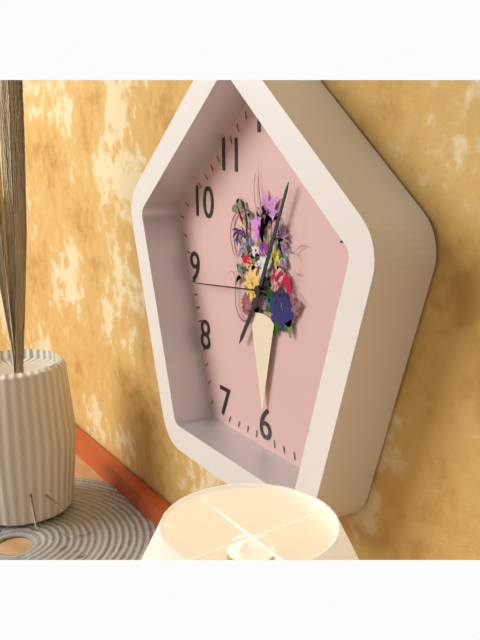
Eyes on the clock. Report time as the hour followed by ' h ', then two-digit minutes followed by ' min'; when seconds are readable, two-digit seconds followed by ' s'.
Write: 7 h 04 min 44 s
